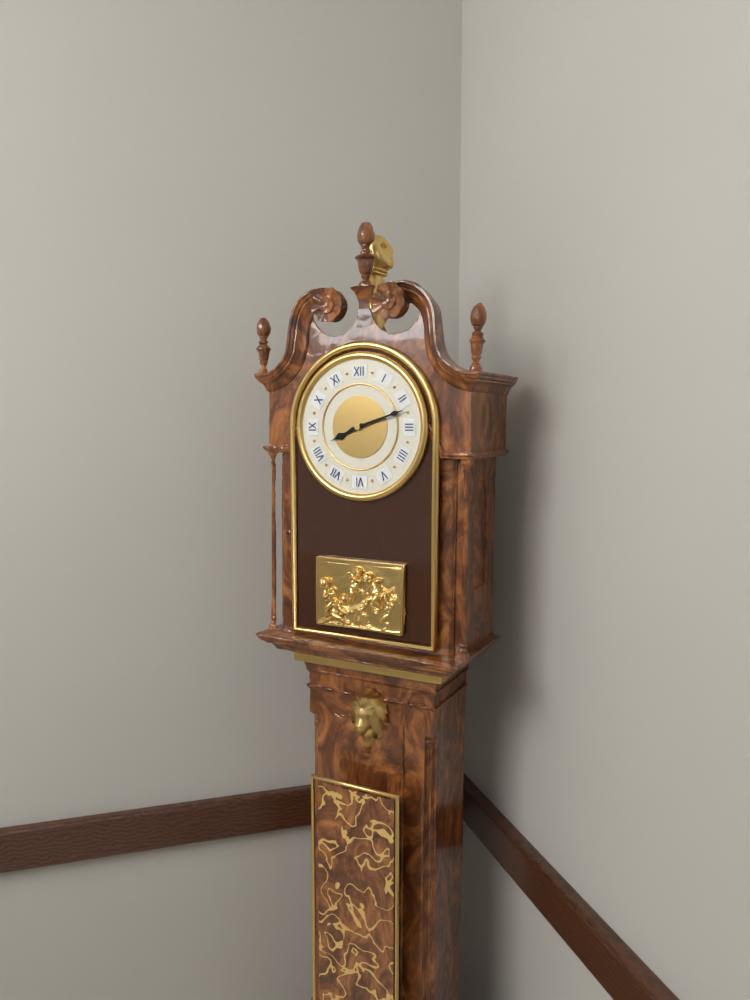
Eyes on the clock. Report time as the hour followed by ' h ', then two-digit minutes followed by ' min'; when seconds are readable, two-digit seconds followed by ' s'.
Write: 8 h 12 min
